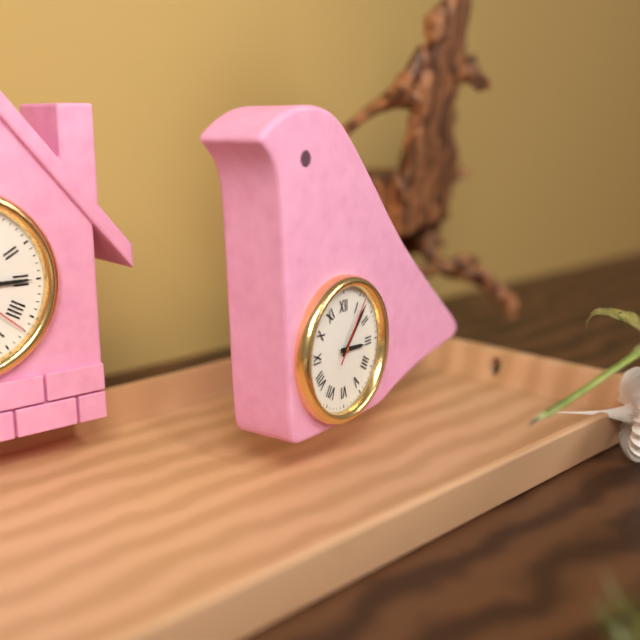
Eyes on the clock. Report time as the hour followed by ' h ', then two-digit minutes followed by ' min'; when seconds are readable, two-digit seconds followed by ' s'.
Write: 3 h 07 min 06 s
